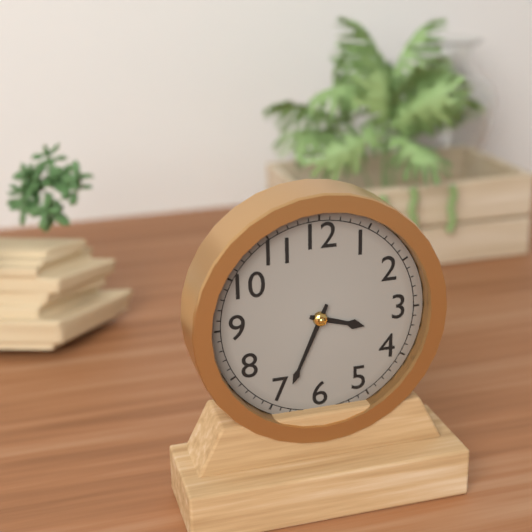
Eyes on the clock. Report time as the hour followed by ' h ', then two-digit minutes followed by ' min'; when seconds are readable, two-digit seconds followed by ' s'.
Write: 3 h 34 min
